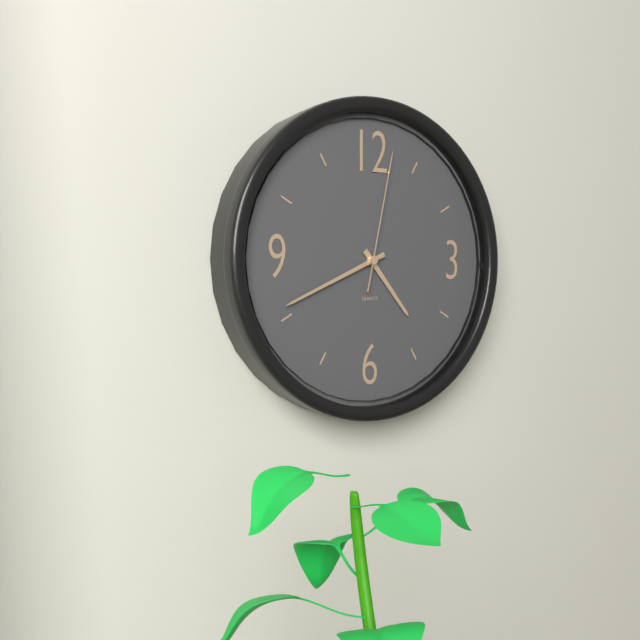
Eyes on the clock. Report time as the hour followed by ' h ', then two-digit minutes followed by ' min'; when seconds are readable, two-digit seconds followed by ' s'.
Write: 4 h 41 min 02 s
